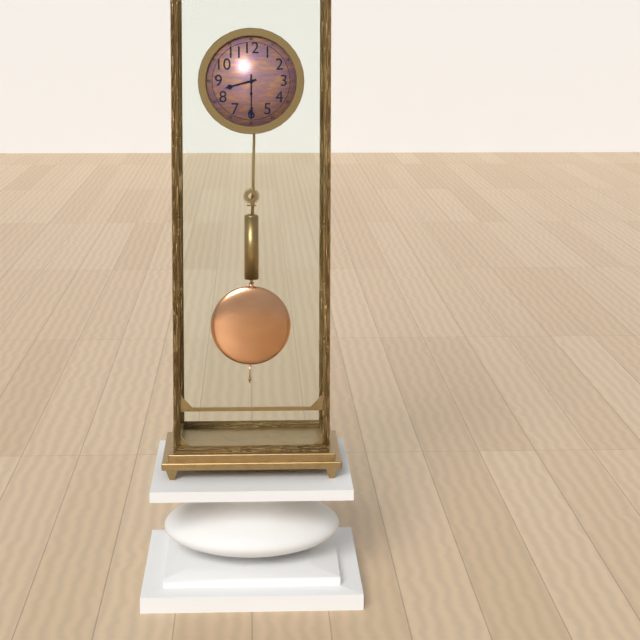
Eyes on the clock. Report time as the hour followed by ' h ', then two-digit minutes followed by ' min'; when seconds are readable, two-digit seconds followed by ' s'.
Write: 8 h 30 min
